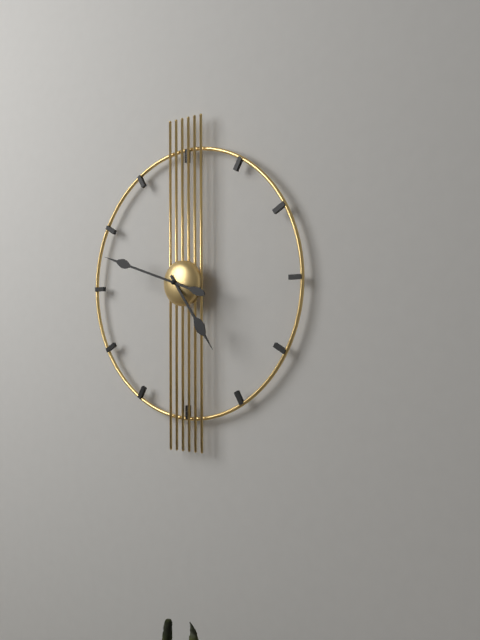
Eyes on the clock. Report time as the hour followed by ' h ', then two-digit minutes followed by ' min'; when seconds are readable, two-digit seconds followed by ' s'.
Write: 4 h 48 min
